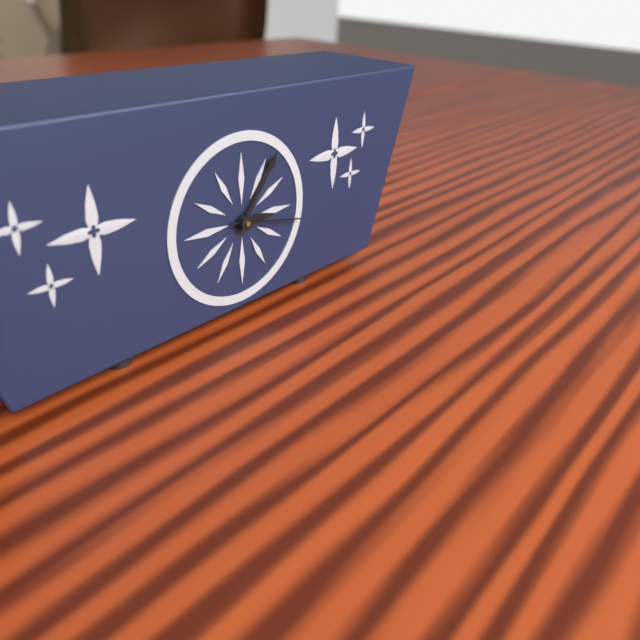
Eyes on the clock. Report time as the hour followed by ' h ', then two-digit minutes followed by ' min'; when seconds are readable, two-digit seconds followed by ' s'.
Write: 3 h 06 min 17 s
